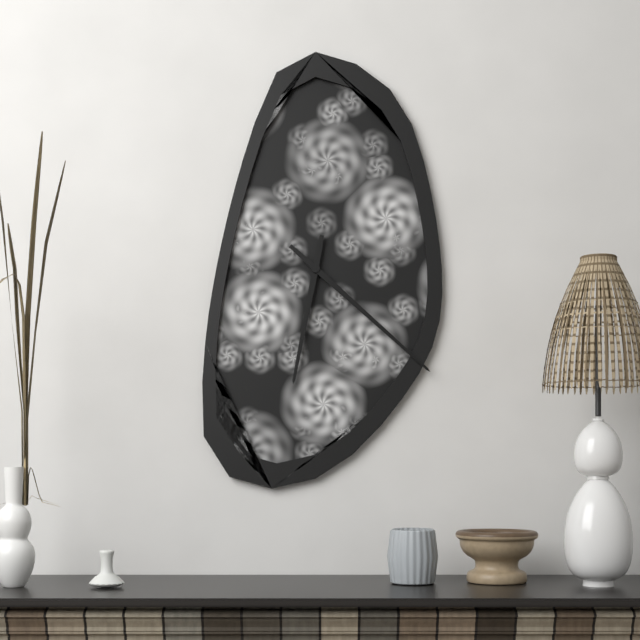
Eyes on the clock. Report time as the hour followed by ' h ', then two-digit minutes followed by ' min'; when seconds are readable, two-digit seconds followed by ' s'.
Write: 6 h 22 min
